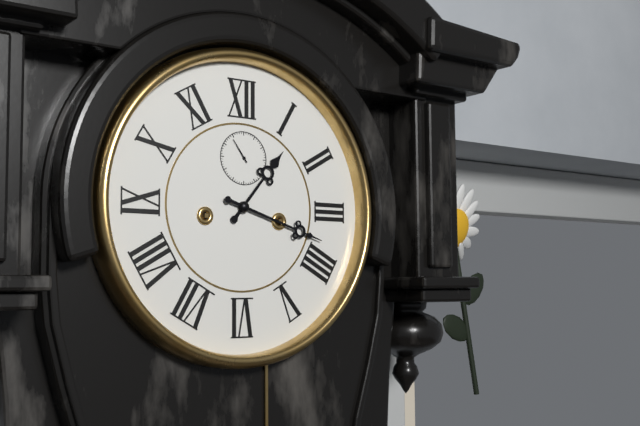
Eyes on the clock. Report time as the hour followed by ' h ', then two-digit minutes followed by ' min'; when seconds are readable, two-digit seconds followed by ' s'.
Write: 1 h 18 min
